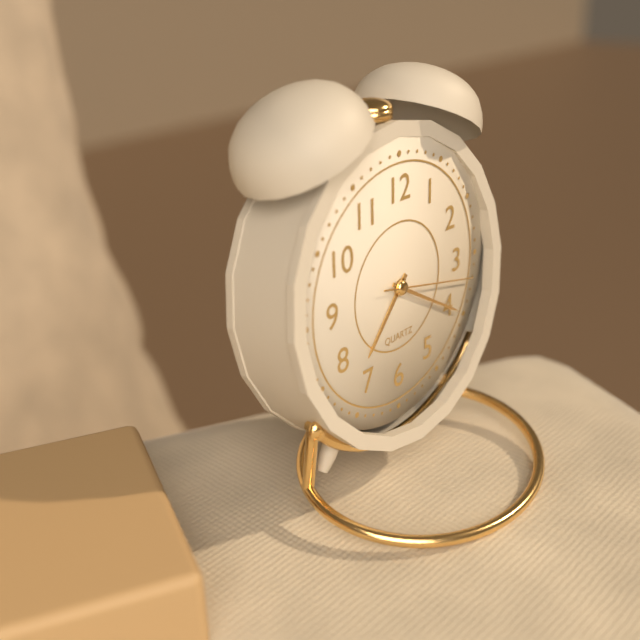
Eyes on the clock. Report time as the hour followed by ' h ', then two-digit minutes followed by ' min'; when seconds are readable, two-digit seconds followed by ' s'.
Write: 7 h 20 min 17 s
